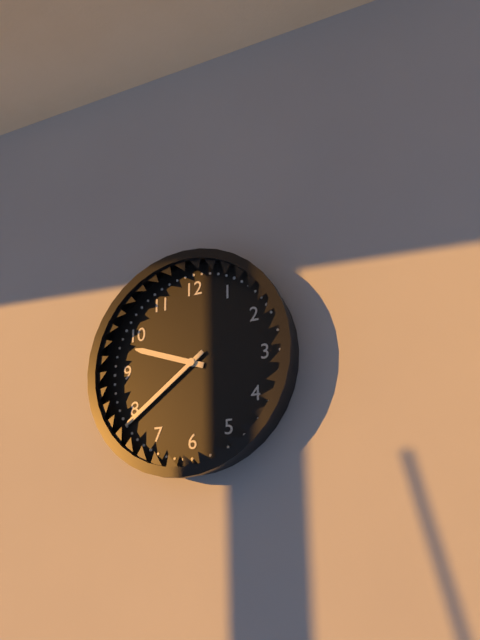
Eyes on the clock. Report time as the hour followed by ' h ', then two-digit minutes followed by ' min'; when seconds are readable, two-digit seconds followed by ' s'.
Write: 9 h 39 min
